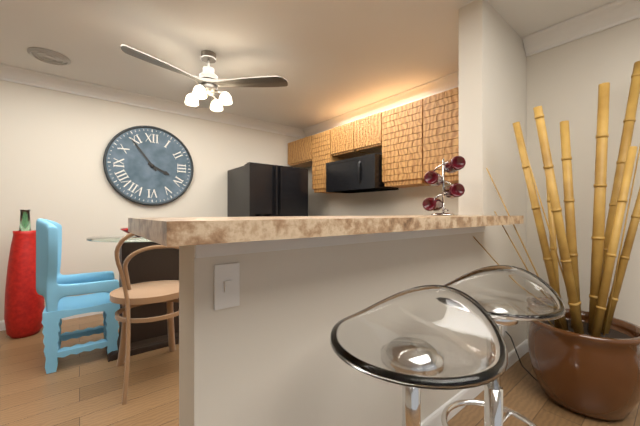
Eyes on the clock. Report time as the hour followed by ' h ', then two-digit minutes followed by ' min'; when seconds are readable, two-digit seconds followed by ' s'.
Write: 3 h 54 min
